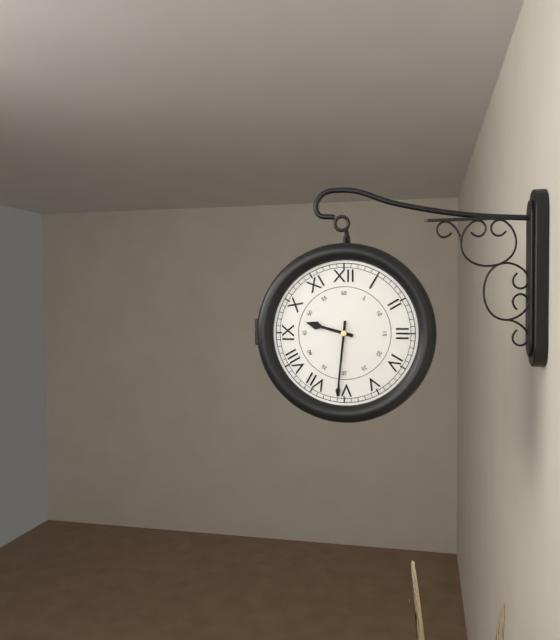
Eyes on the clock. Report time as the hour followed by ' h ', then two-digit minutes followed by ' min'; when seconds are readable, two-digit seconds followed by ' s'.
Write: 9 h 31 min
